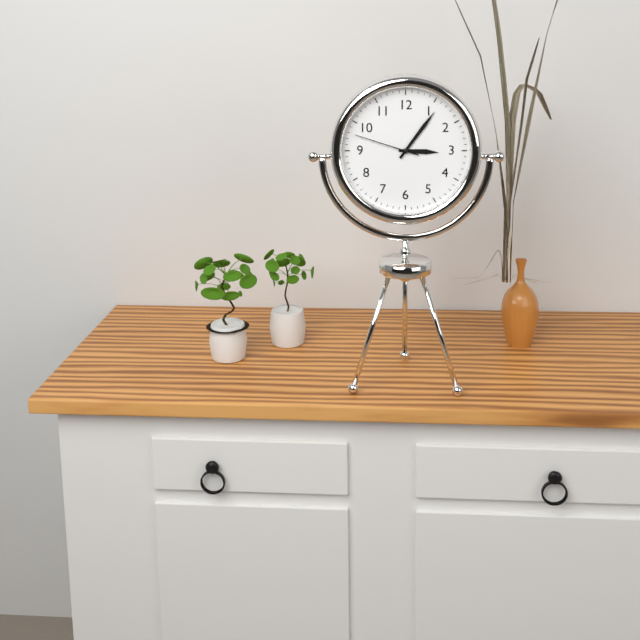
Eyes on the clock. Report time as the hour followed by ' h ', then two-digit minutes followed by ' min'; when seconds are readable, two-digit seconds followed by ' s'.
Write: 3 h 06 min 48 s
